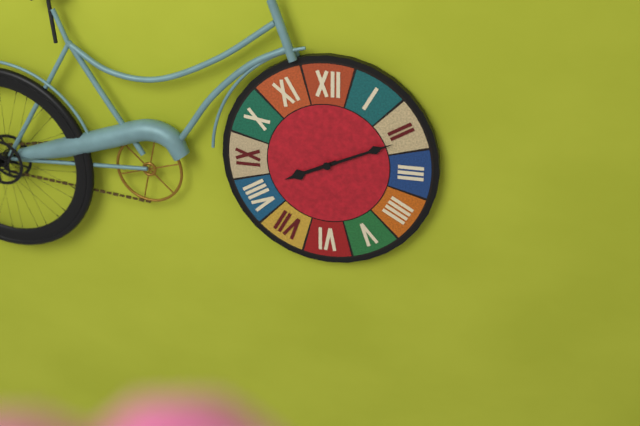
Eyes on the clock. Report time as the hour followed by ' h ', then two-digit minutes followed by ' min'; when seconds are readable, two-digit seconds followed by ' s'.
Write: 8 h 11 min
